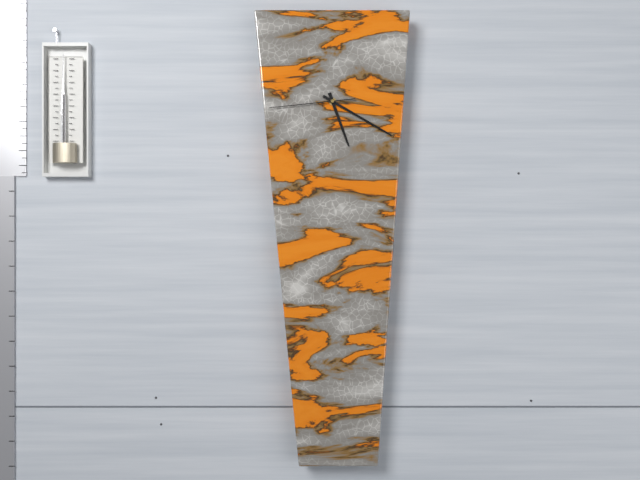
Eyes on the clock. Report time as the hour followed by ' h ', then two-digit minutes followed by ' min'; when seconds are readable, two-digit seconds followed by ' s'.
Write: 5 h 20 min 44 s
